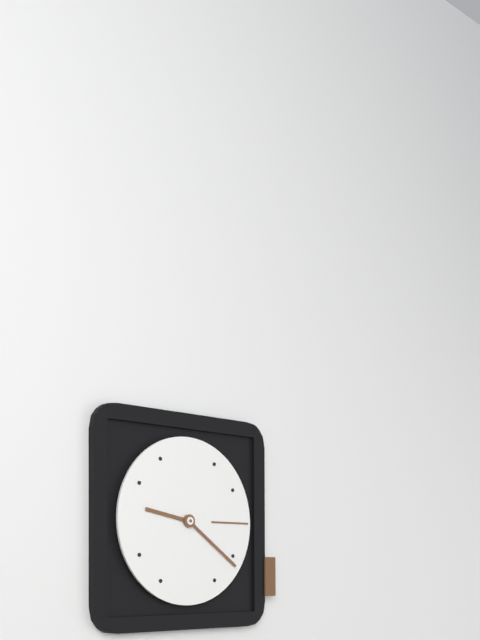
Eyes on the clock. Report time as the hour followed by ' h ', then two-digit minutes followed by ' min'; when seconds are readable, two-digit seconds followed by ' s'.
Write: 9 h 21 min
